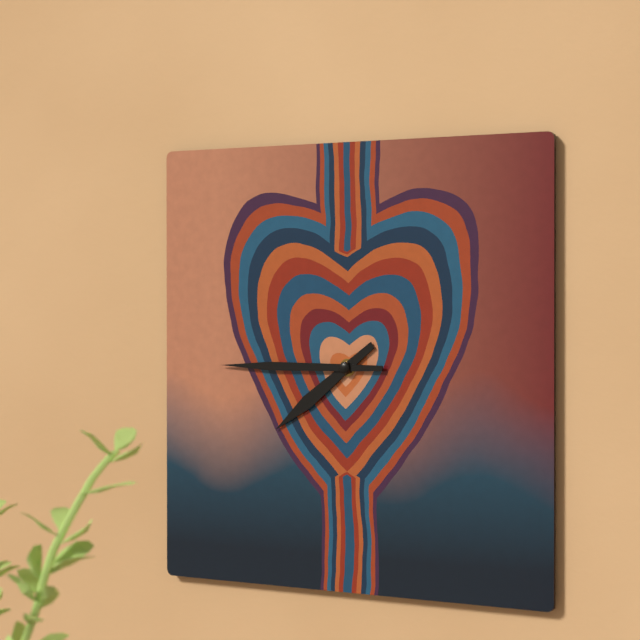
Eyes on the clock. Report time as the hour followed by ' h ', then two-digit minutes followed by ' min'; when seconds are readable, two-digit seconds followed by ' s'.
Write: 7 h 45 min
